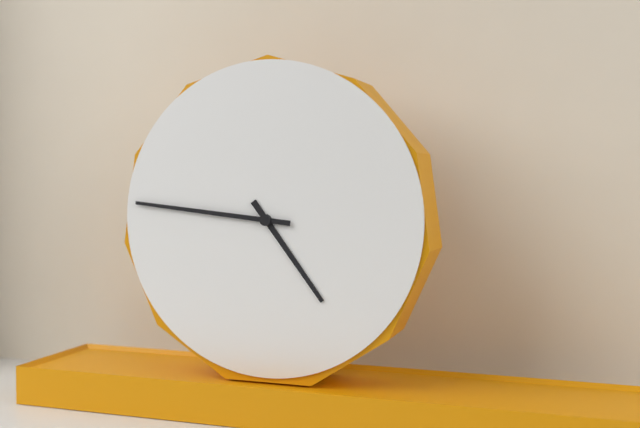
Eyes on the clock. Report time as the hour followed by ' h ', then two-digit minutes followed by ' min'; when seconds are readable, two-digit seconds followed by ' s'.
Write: 4 h 46 min
